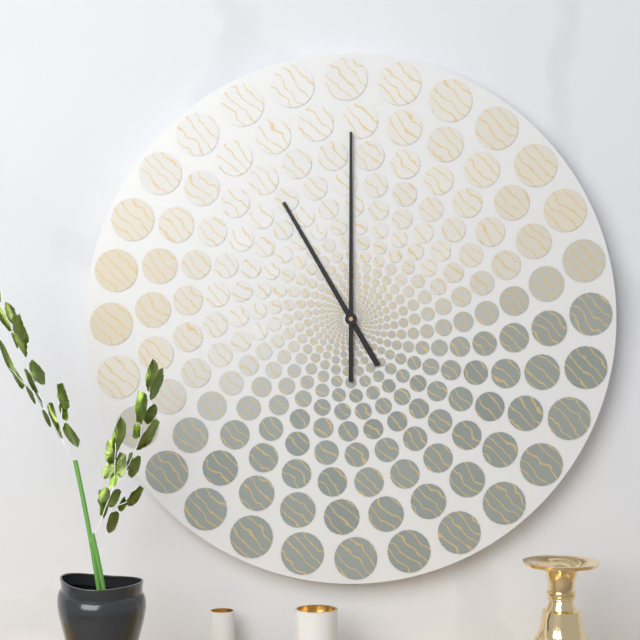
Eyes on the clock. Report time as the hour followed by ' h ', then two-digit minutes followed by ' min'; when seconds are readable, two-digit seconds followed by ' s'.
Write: 11 h 00 min
